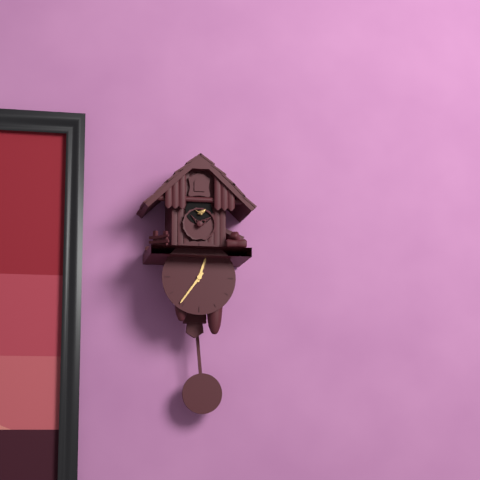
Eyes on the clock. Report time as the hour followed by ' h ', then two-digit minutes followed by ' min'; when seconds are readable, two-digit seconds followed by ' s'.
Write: 12 h 36 min
